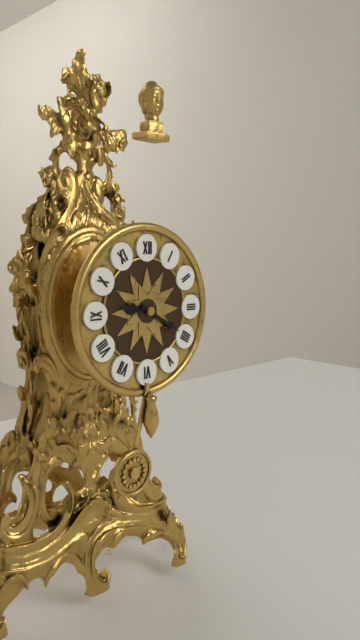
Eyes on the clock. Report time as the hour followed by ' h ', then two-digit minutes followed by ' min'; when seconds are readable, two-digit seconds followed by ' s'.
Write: 9 h 20 min
